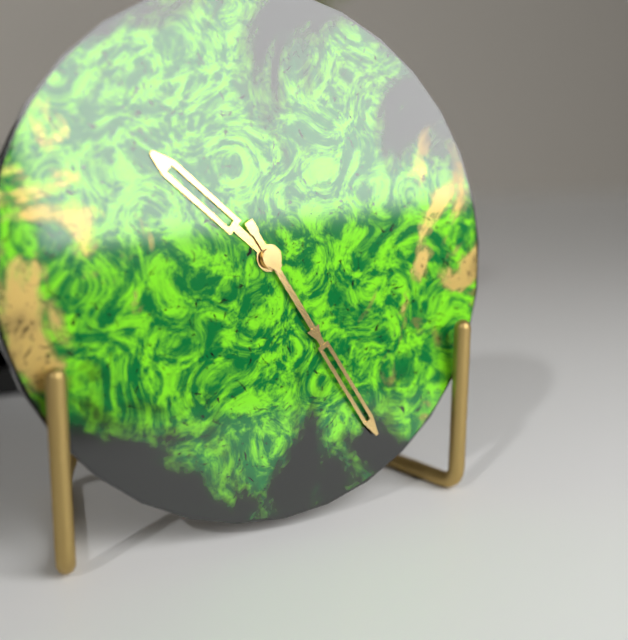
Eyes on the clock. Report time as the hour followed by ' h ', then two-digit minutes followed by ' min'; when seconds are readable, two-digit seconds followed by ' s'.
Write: 10 h 25 min
